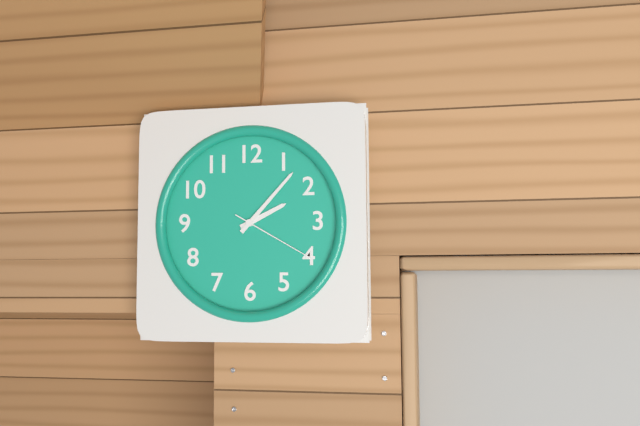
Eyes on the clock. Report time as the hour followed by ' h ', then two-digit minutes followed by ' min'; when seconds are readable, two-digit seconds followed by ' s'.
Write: 2 h 07 min 20 s
